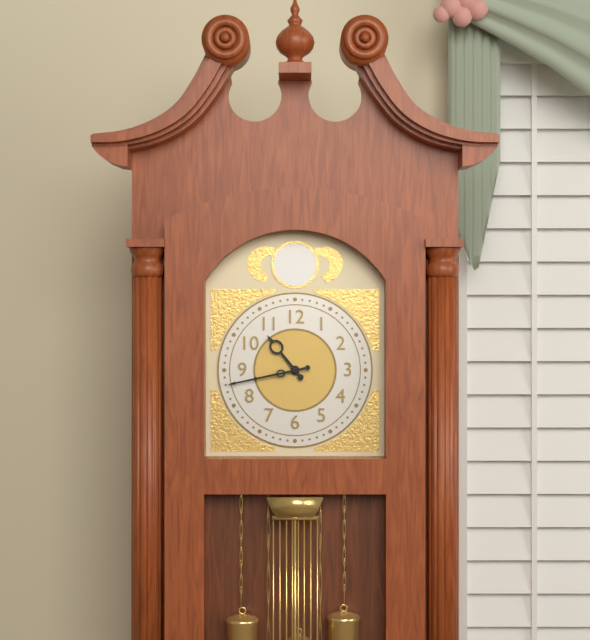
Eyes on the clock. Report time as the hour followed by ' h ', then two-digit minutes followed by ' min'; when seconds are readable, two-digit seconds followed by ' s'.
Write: 10 h 43 min
